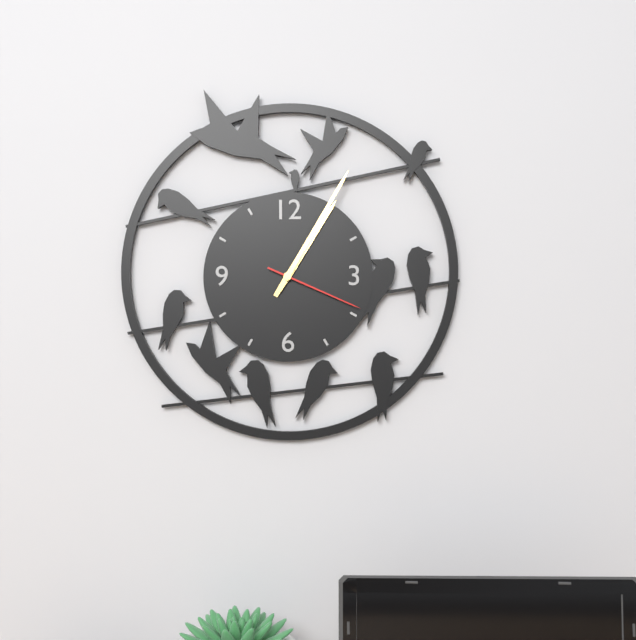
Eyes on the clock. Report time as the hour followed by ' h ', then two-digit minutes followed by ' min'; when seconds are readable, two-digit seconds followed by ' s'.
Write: 1 h 05 min 19 s
